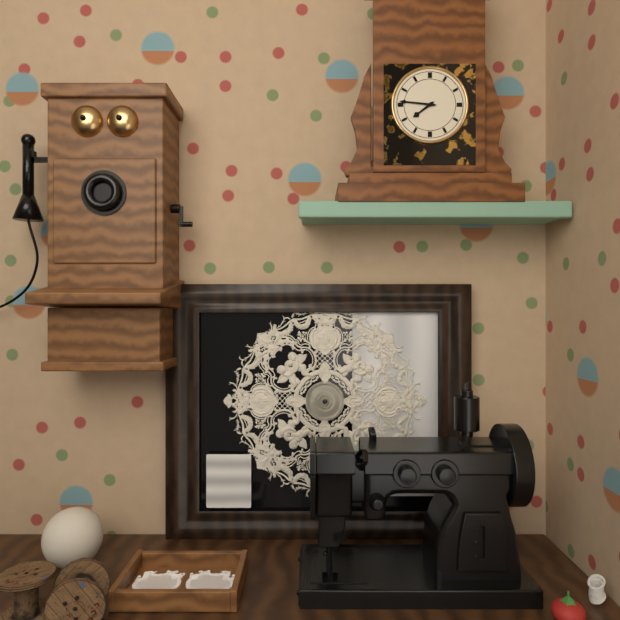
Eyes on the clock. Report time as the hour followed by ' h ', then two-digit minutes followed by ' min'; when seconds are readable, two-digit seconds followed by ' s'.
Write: 7 h 46 min
